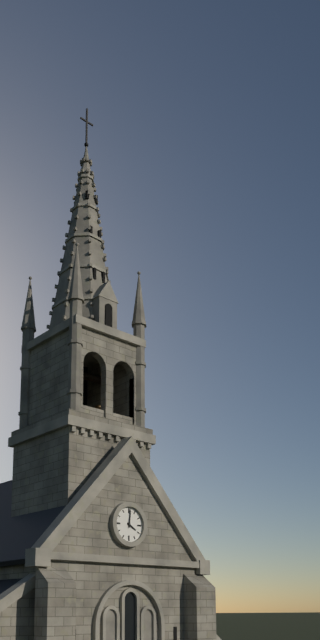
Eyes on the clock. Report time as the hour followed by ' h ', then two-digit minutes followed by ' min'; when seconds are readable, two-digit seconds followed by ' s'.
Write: 4 h 01 min
